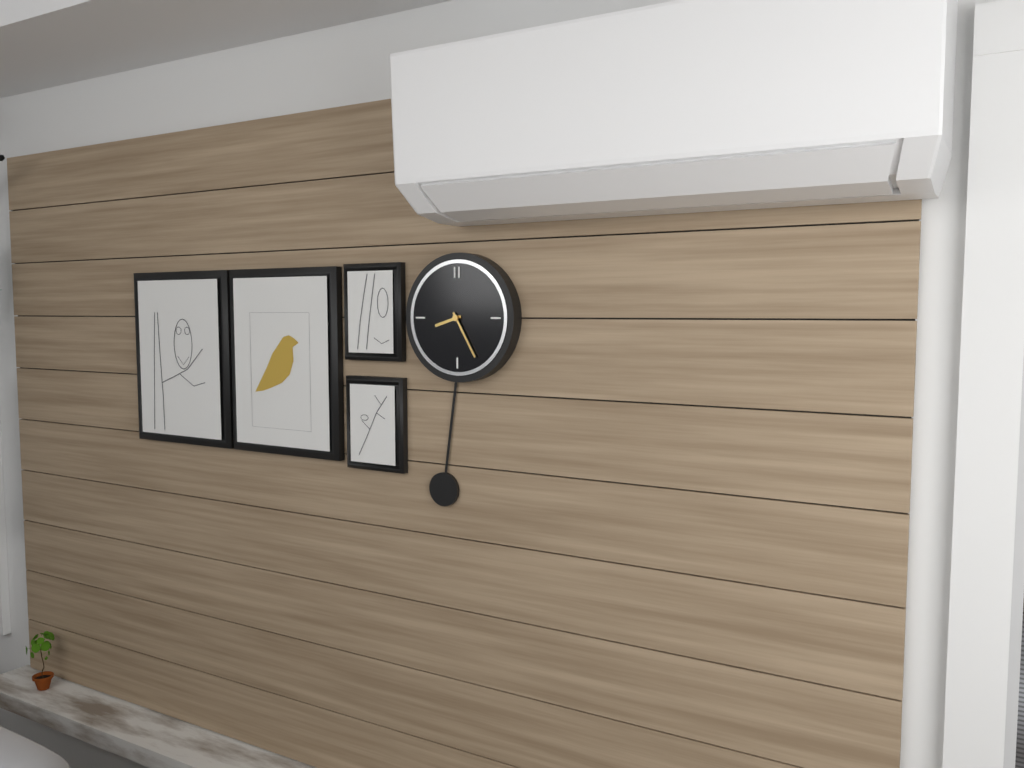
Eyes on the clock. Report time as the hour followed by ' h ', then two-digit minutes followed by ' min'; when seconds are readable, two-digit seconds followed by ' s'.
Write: 8 h 25 min
